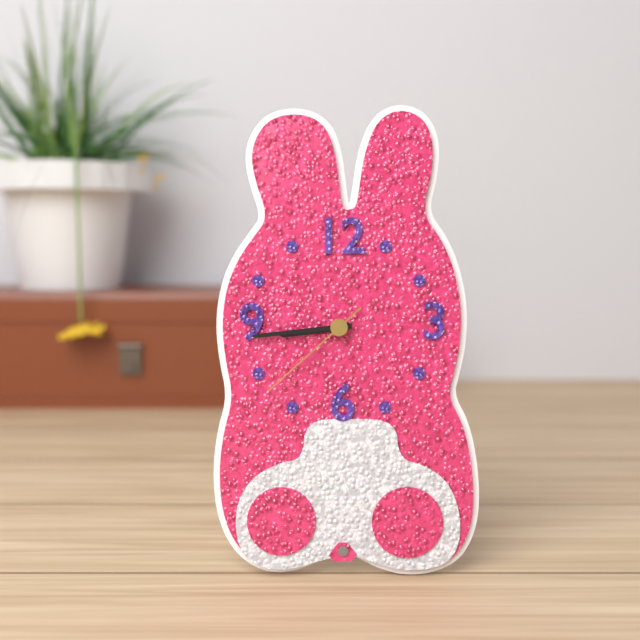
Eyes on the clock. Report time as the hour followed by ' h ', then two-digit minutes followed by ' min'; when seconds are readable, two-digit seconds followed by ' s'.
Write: 8 h 44 min 38 s
